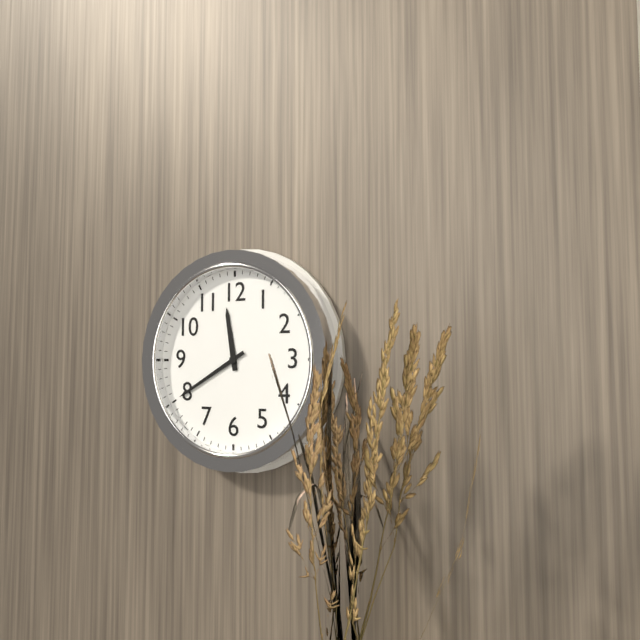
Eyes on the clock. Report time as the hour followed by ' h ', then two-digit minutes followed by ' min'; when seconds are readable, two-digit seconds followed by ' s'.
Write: 11 h 40 min
